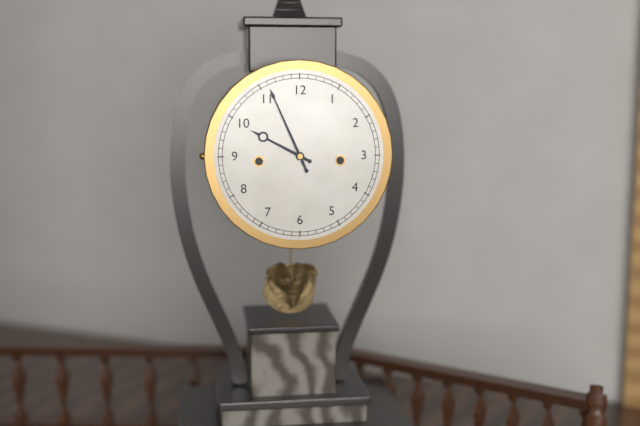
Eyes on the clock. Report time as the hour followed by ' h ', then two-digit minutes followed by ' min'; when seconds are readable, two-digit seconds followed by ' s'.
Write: 9 h 56 min
